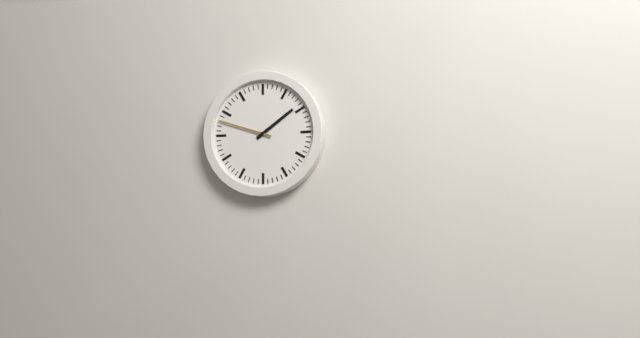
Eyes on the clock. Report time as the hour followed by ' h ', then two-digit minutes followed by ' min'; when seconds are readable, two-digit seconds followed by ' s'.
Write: 1 h 48 min
